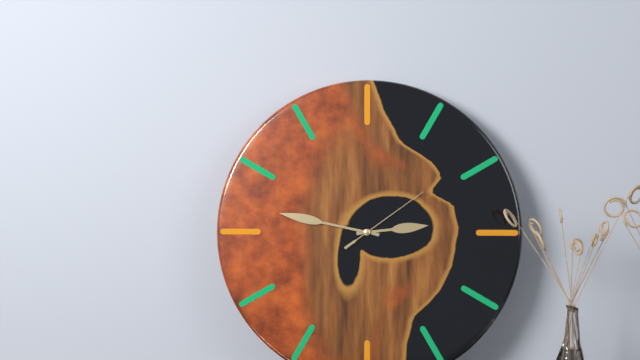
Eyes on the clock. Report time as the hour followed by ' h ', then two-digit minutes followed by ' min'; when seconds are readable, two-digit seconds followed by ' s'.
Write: 2 h 47 min 09 s
